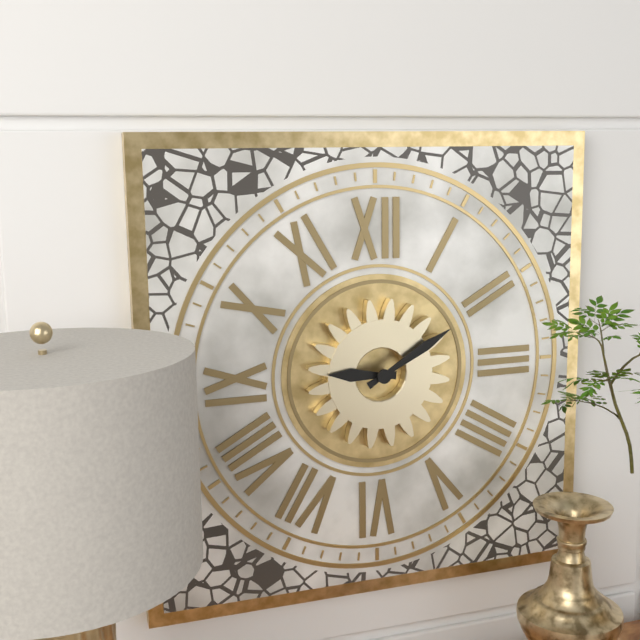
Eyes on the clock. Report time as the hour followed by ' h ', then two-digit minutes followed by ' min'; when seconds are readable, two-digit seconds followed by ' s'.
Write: 9 h 10 min
